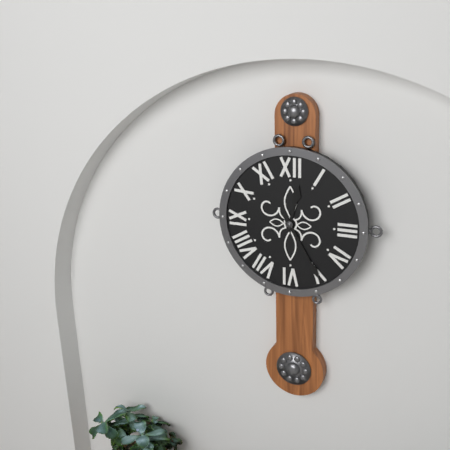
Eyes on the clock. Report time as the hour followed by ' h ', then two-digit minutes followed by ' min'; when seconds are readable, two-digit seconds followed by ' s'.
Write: 12 h 25 min
